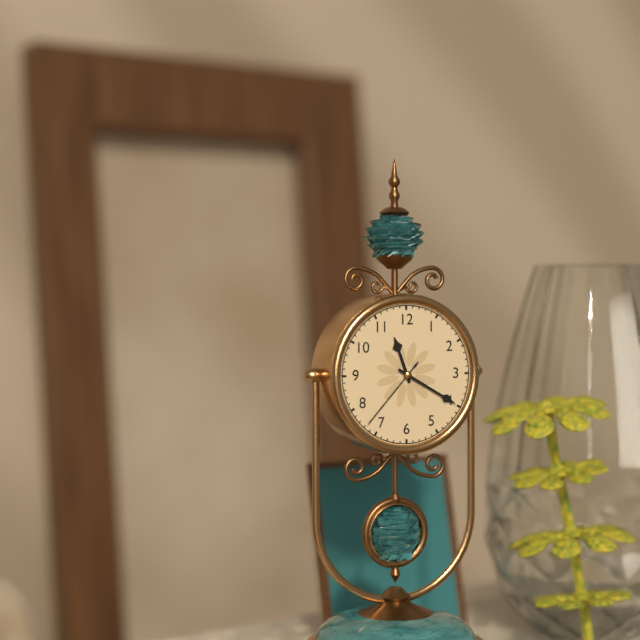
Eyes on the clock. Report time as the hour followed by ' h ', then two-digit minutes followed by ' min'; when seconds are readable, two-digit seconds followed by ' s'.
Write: 11 h 20 min 37 s
